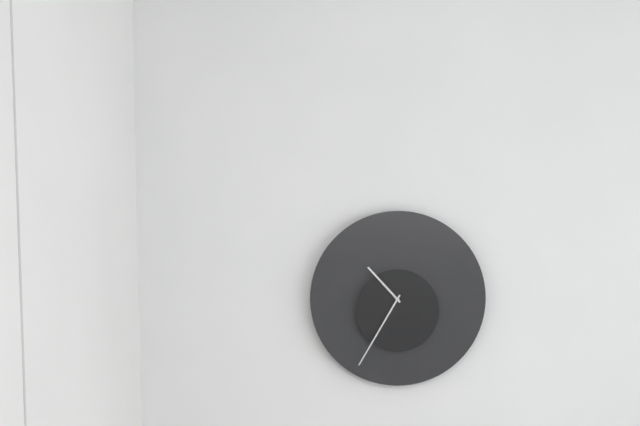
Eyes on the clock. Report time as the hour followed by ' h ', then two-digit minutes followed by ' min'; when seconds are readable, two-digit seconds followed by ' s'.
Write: 10 h 35 min
